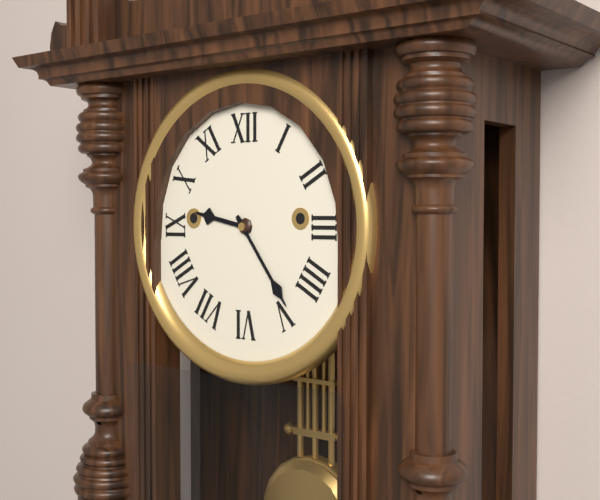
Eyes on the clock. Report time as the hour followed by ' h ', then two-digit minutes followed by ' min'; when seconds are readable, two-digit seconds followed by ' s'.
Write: 9 h 24 min
